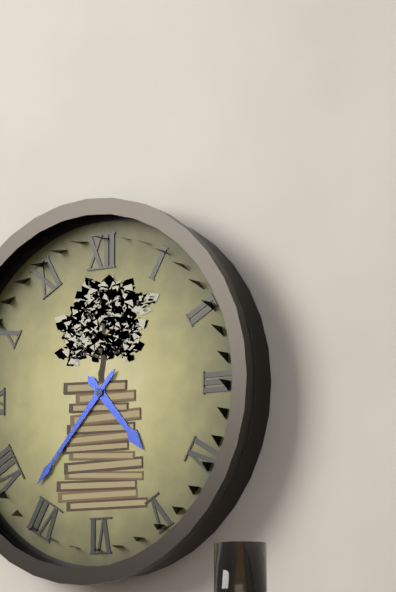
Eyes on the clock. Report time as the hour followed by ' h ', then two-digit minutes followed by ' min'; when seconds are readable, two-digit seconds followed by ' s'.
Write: 4 h 37 min
